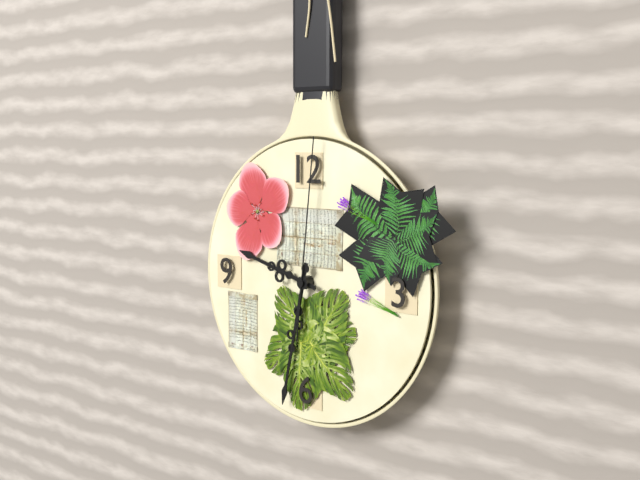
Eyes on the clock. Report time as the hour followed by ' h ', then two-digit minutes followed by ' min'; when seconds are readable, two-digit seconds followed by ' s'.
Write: 9 h 32 min 01 s
